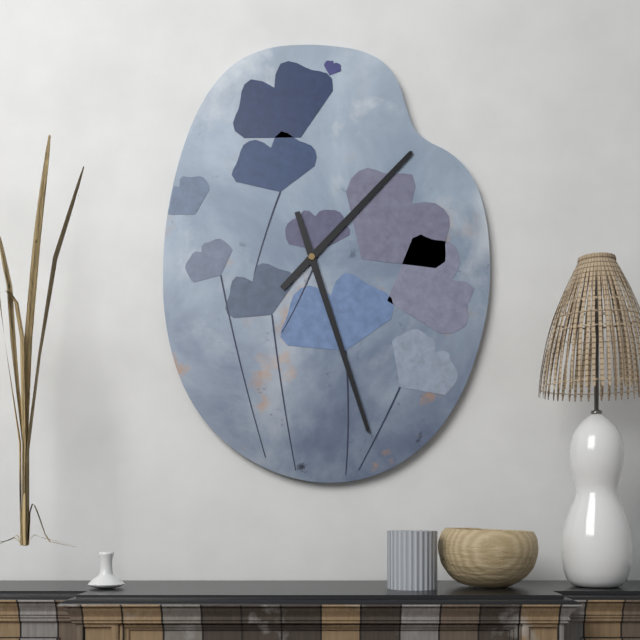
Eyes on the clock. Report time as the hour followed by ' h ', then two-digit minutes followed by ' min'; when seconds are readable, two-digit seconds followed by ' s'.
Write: 1 h 27 min
